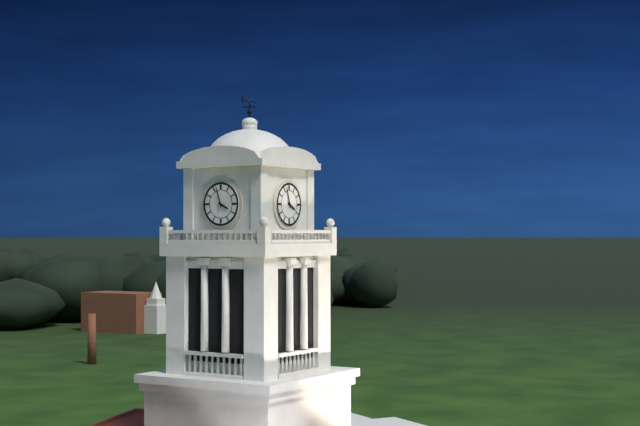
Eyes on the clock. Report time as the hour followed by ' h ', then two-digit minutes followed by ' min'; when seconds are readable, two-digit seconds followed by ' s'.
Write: 3 h 57 min
